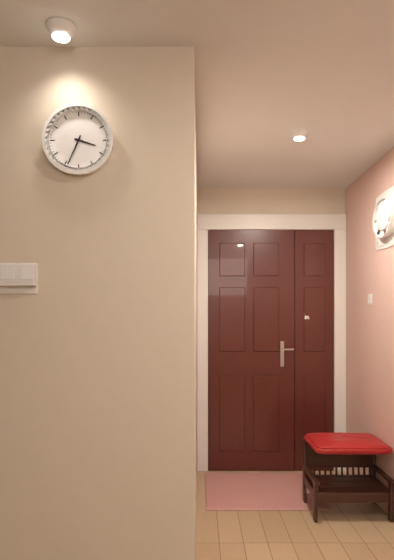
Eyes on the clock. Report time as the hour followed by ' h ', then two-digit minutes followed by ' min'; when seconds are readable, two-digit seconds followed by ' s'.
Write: 3 h 34 min
